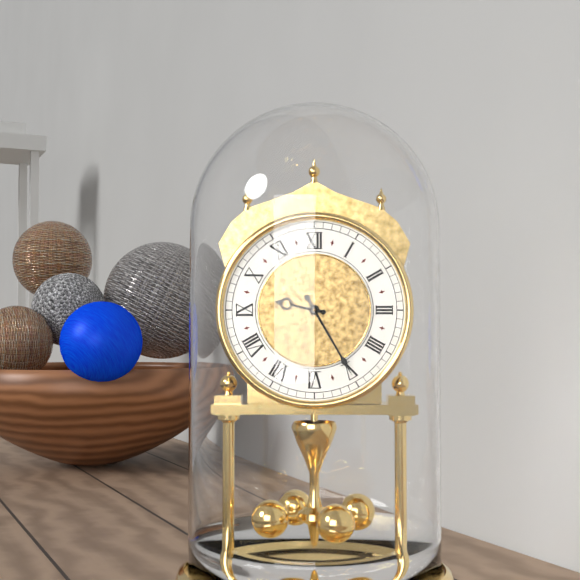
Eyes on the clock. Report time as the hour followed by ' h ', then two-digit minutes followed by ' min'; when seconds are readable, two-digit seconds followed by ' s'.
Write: 9 h 25 min
